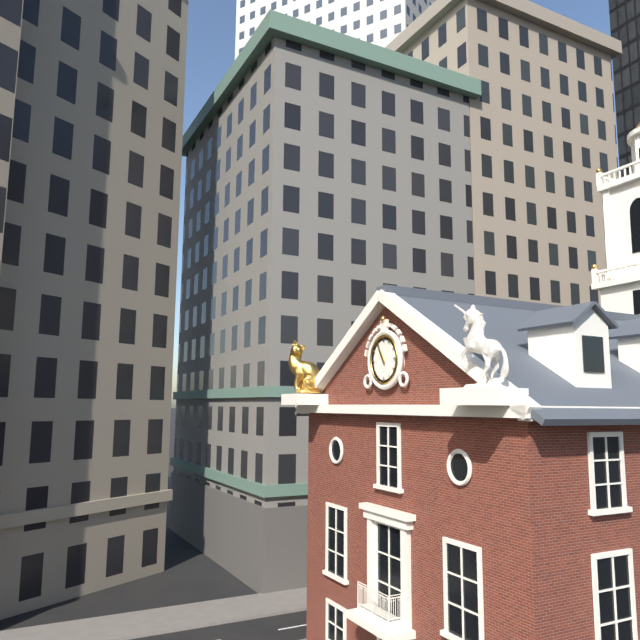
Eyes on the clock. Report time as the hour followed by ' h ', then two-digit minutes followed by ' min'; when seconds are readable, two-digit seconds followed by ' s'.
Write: 10 h 55 min
